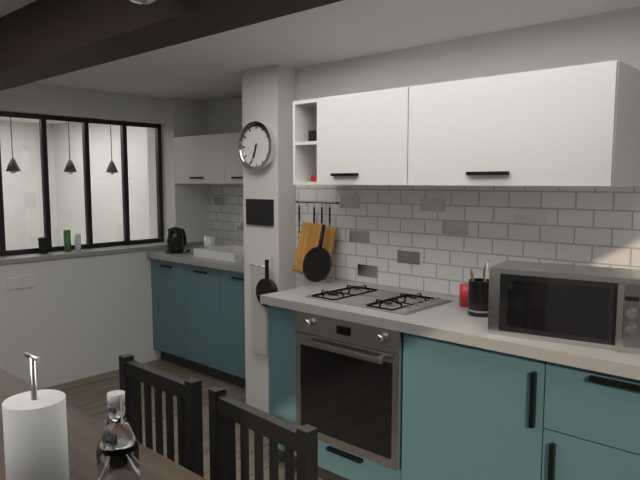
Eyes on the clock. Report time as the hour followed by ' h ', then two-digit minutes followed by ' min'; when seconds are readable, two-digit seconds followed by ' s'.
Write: 6 h 34 min
